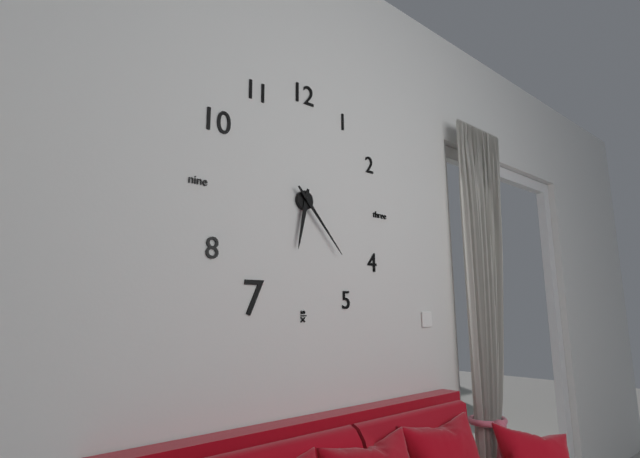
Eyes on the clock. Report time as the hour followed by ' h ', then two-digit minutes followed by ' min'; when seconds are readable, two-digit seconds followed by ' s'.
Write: 6 h 23 min
